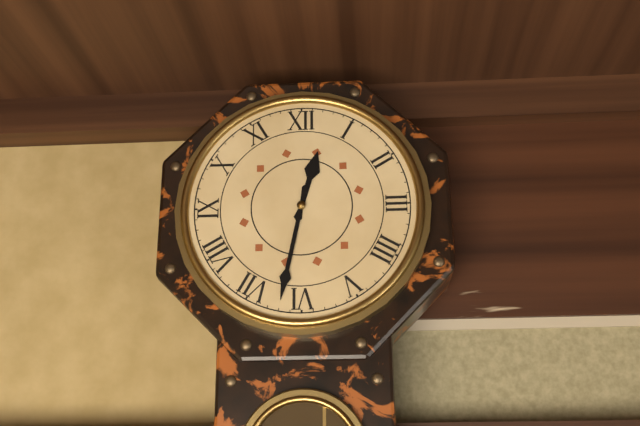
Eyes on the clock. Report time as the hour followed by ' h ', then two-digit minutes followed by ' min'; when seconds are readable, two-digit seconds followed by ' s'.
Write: 12 h 32 min
